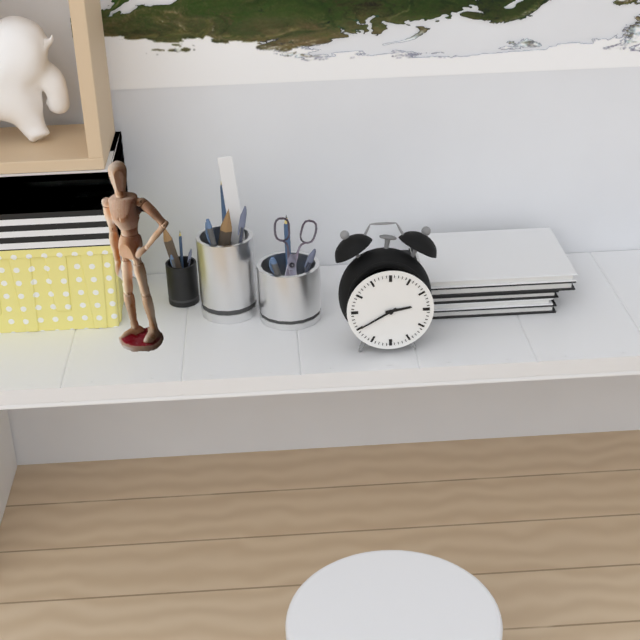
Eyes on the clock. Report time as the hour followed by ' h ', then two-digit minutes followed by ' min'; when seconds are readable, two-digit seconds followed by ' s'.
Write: 2 h 40 min
